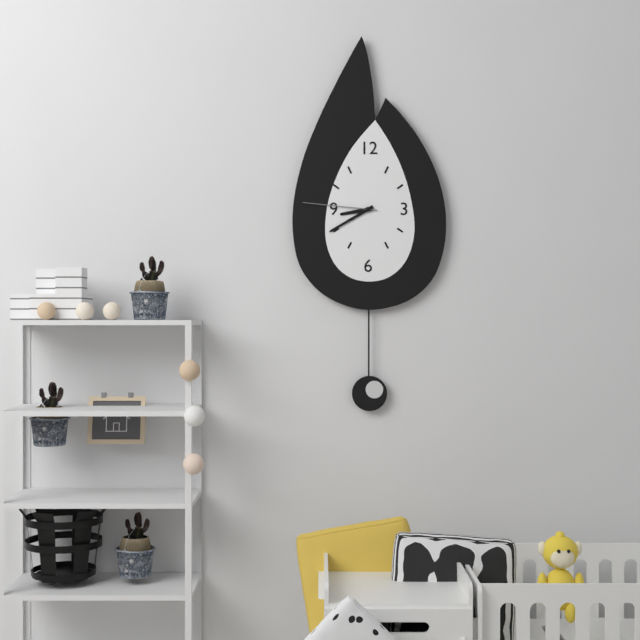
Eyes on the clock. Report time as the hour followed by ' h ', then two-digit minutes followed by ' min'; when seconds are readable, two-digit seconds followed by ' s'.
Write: 8 h 40 min 46 s
